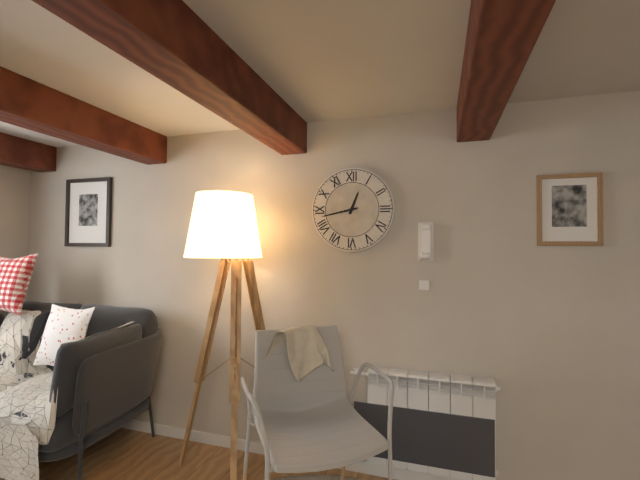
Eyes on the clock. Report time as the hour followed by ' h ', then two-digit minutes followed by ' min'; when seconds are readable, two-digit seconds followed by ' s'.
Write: 12 h 43 min
